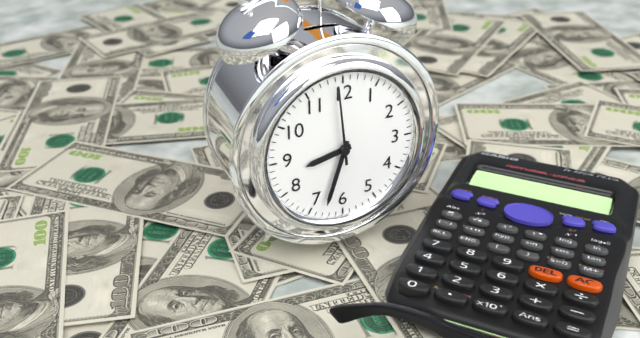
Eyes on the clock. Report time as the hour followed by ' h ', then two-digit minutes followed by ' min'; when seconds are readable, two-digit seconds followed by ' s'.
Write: 8 h 33 min 59 s
